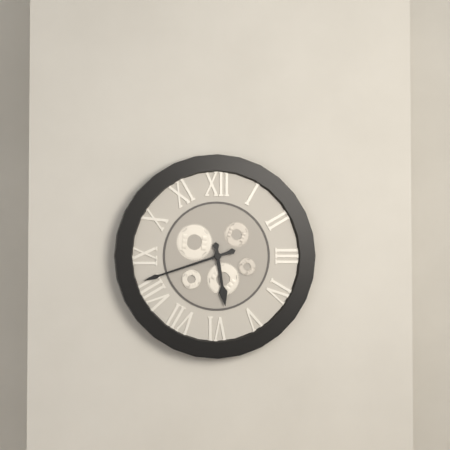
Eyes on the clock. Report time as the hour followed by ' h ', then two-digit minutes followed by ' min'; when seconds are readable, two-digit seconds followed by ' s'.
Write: 5 h 42 min
